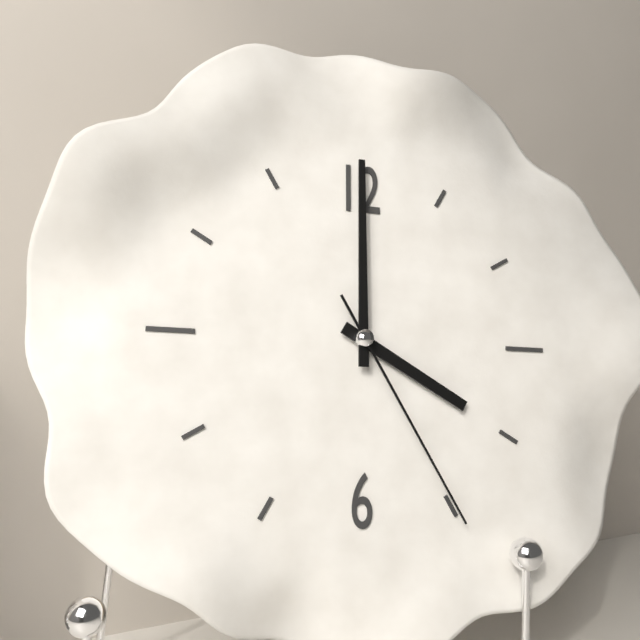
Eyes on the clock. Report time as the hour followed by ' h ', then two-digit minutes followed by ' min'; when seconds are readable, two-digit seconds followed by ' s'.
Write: 4 h 00 min 25 s
